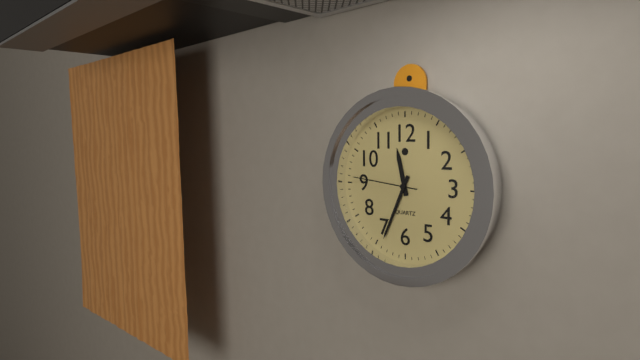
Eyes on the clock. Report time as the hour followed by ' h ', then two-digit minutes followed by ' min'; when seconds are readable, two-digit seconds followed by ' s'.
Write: 11 h 34 min 46 s
